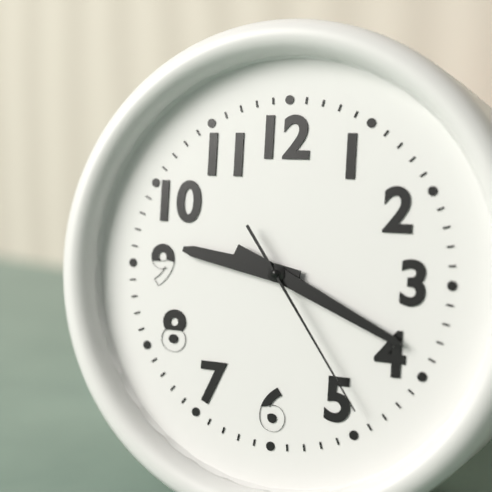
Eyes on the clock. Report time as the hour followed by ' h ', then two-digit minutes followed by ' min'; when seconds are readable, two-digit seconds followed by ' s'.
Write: 9 h 19 min 24 s
